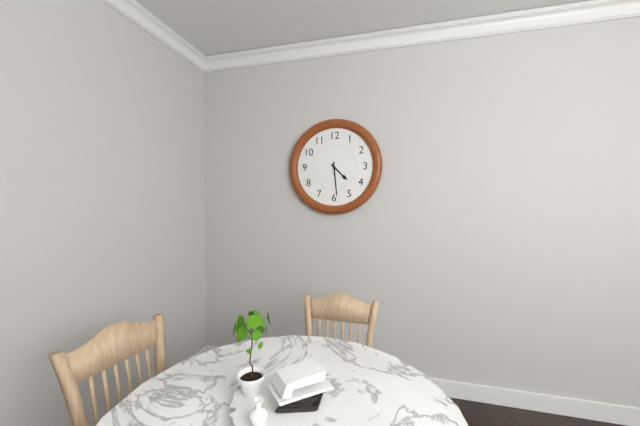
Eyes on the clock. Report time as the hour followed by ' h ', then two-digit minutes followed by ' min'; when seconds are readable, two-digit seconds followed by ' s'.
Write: 4 h 29 min
